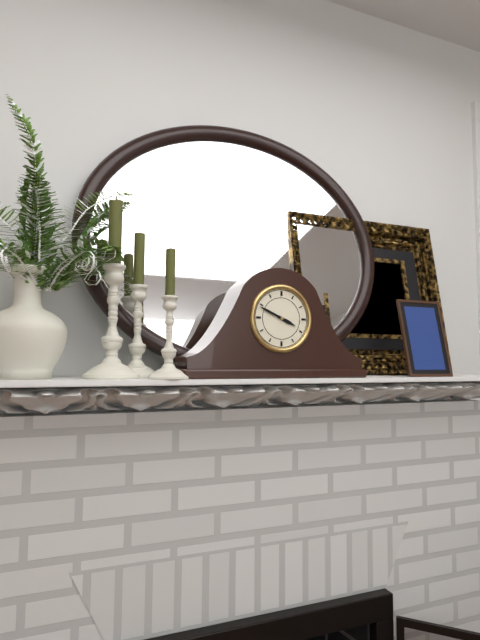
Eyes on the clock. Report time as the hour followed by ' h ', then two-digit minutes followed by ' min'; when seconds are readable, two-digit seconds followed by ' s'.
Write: 3 h 49 min
